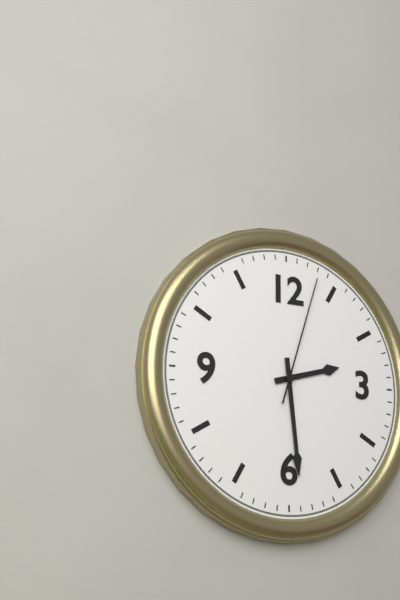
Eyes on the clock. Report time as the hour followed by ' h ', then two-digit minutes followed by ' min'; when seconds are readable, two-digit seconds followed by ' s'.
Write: 2 h 29 min 03 s
